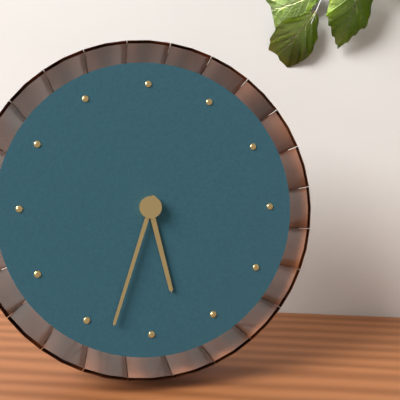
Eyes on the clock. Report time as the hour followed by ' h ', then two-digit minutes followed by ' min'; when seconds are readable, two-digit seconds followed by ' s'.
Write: 5 h 33 min
